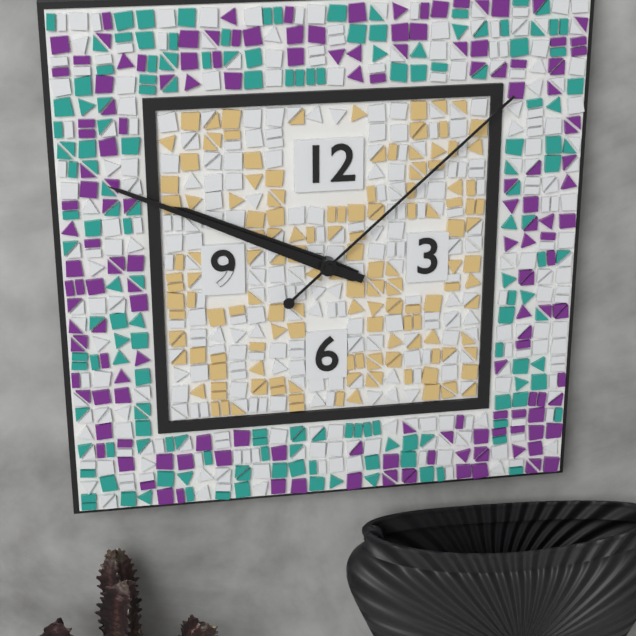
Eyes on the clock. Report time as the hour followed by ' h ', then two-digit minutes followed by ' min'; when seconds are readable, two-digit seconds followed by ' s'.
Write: 9 h 49 min 08 s
